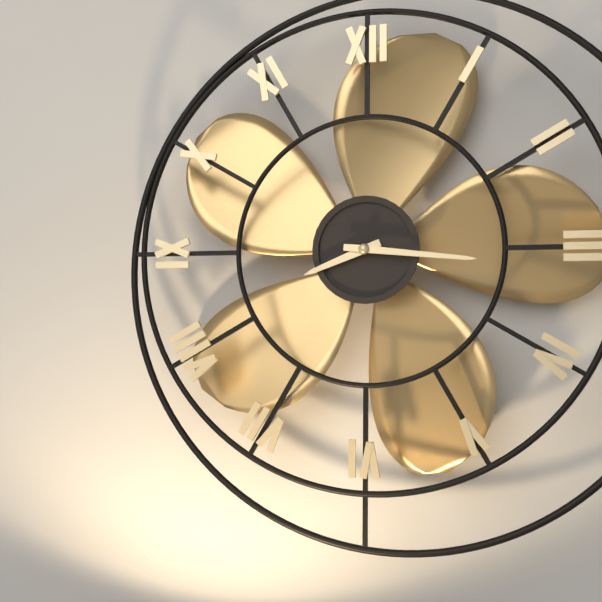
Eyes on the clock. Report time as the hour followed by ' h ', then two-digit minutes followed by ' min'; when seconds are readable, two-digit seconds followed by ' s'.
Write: 8 h 16 min
